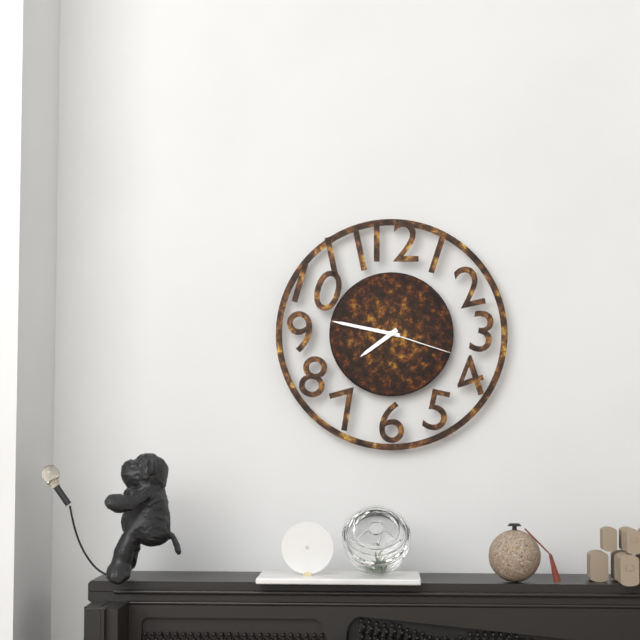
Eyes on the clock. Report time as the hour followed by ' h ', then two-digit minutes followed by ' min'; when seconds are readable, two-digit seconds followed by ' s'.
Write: 7 h 47 min 18 s
